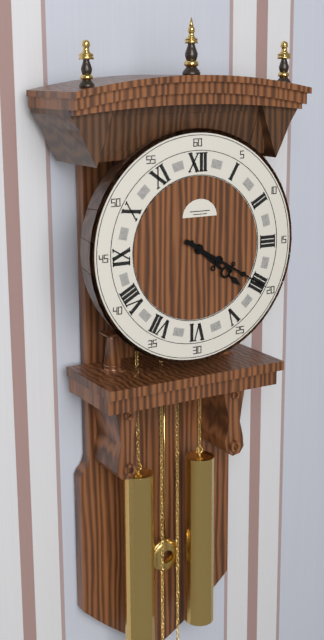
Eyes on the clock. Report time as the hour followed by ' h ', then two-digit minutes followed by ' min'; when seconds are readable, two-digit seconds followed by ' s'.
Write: 4 h 20 min
